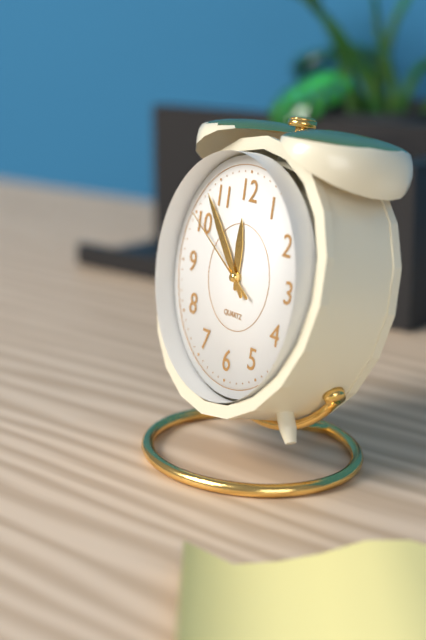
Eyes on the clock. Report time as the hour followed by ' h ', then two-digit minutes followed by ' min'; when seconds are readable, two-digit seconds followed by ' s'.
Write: 11 h 53 min 50 s
